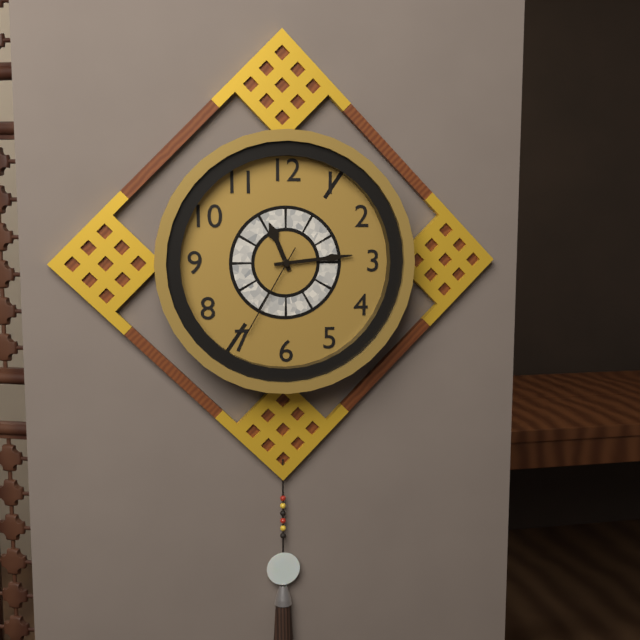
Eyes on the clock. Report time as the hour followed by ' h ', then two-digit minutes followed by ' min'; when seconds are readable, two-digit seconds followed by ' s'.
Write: 11 h 14 min 35 s
